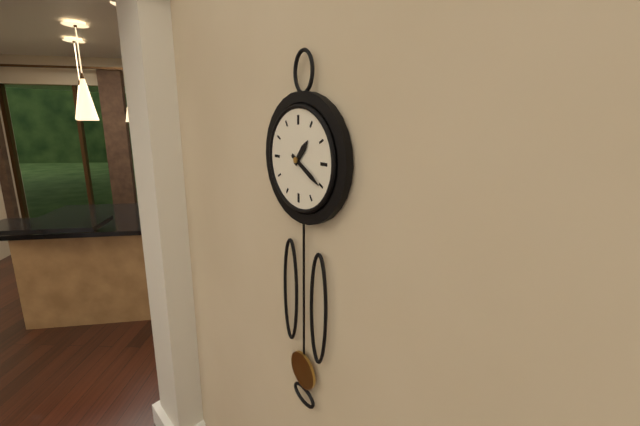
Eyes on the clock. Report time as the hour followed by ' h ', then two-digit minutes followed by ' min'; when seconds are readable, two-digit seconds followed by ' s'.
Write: 1 h 20 min
